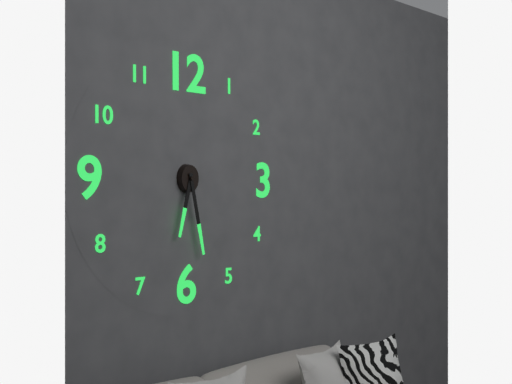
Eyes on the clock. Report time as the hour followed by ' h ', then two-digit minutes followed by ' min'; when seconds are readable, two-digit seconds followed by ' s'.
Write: 6 h 28 min
